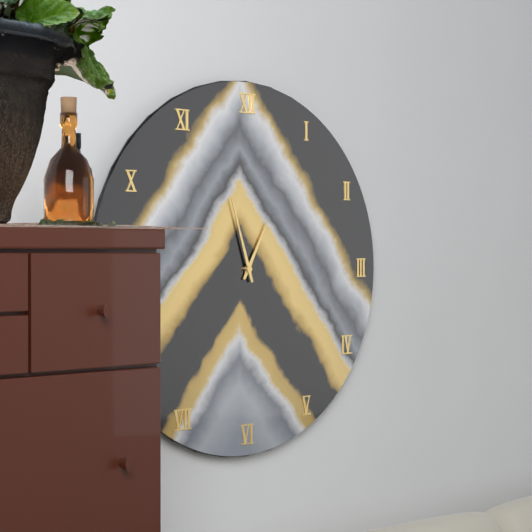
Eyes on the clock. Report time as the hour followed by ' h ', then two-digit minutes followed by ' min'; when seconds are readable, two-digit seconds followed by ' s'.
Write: 12 h 57 min
